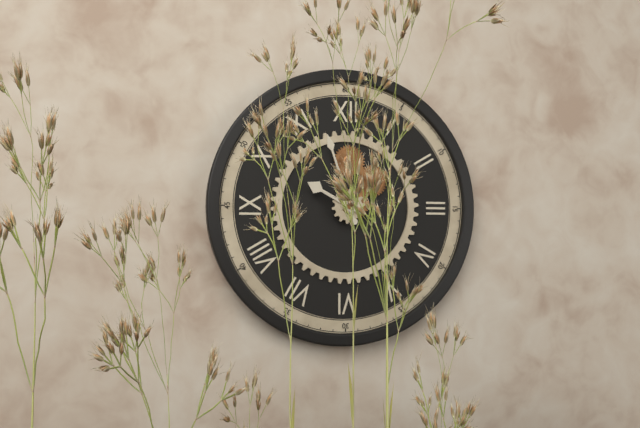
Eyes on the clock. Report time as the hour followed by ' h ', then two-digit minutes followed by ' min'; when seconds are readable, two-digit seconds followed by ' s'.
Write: 9 h 57 min
